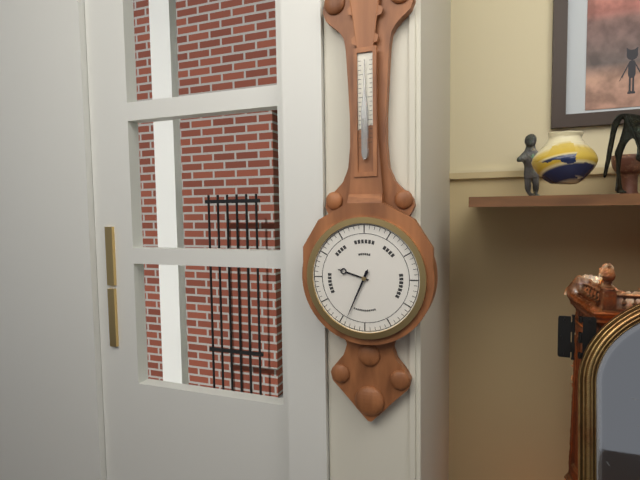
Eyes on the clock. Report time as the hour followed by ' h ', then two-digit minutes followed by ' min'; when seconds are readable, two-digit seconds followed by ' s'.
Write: 9 h 34 min
